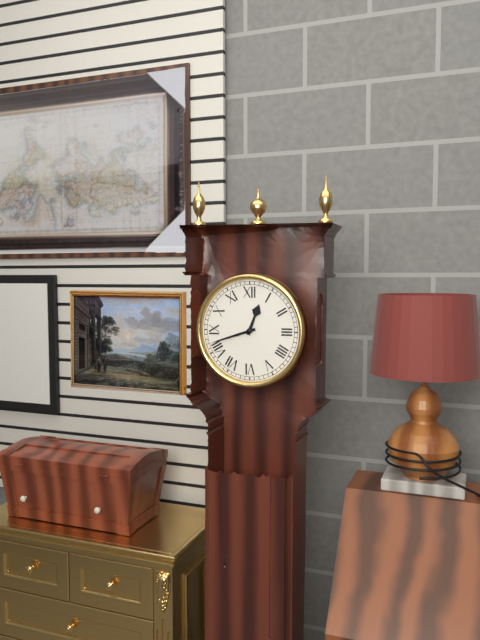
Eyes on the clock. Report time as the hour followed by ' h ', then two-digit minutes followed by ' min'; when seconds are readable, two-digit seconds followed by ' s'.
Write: 12 h 42 min
